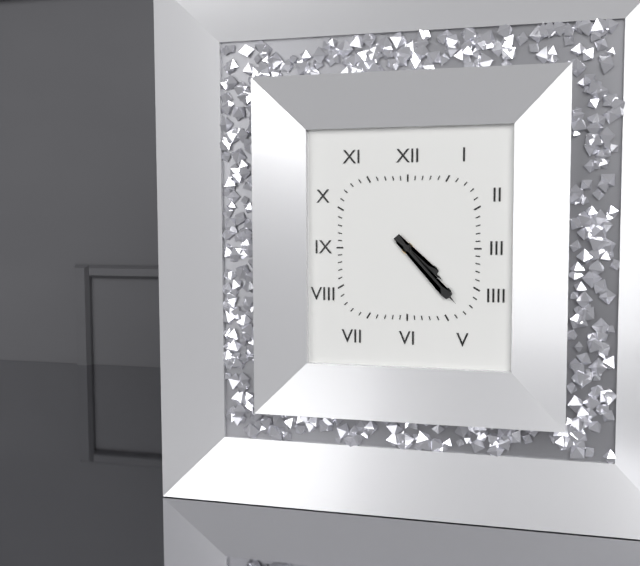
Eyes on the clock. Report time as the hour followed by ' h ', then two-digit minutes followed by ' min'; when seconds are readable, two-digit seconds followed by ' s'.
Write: 4 h 23 min
